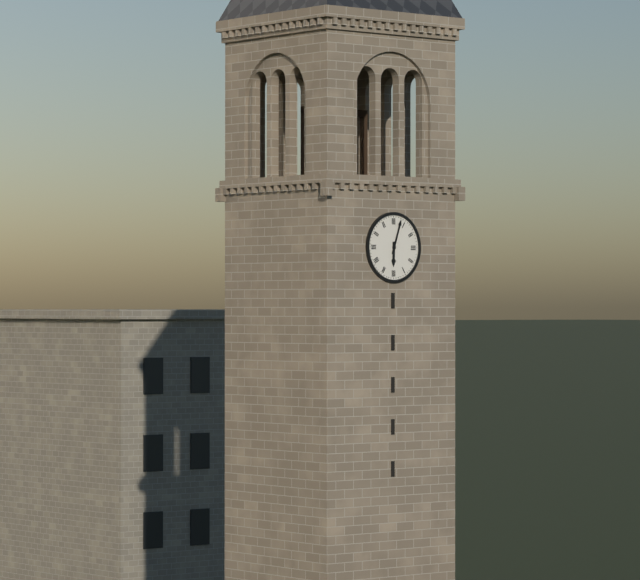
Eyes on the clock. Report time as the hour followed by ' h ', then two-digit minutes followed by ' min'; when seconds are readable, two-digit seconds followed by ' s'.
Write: 6 h 03 min
